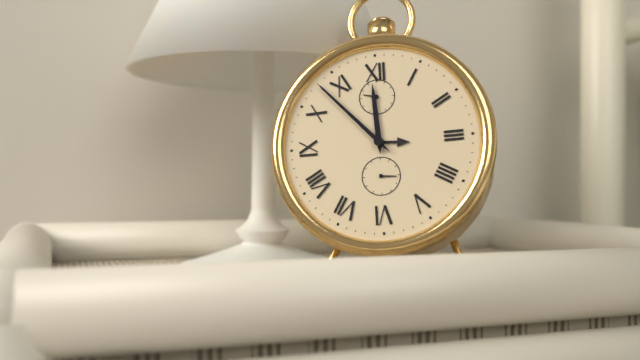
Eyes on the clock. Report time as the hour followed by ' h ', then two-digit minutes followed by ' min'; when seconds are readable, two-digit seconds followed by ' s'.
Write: 11 h 53 min
